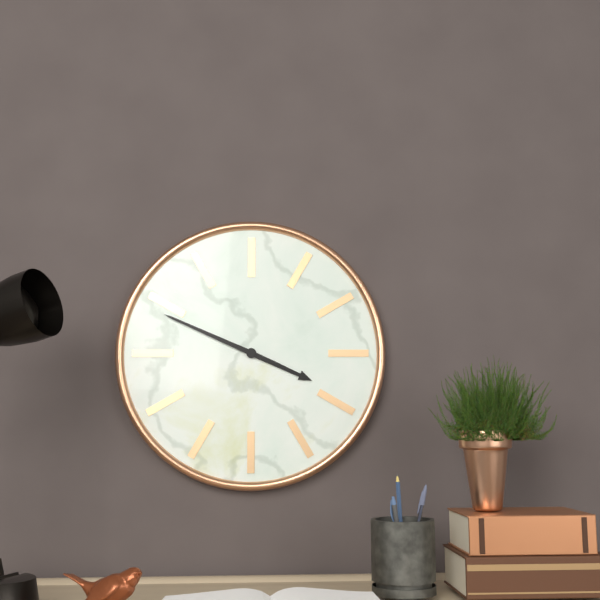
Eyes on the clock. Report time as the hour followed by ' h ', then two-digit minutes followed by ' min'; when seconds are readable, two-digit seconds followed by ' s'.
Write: 3 h 49 min
